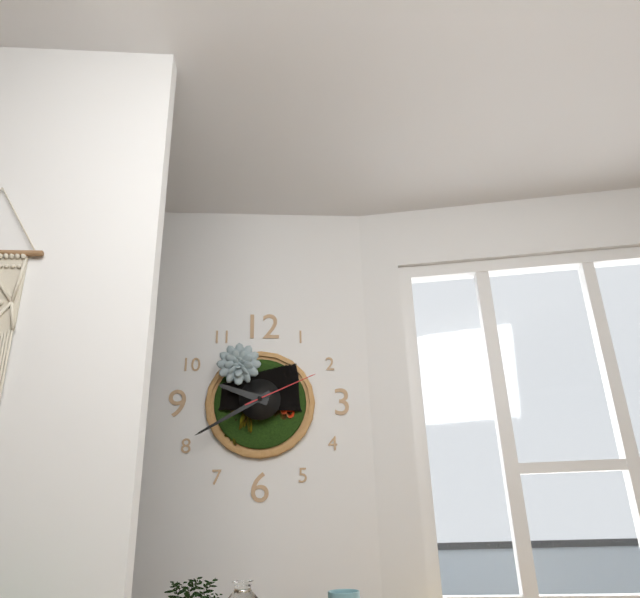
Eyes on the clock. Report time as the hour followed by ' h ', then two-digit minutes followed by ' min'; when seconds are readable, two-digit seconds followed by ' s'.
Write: 9 h 40 min 11 s
